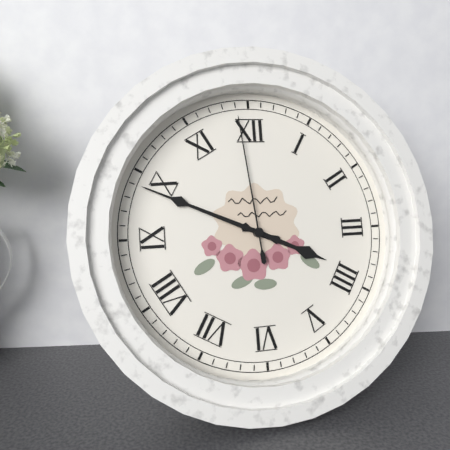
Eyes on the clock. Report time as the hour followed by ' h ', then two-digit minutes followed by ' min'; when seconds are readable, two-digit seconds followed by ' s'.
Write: 3 h 49 min 59 s
